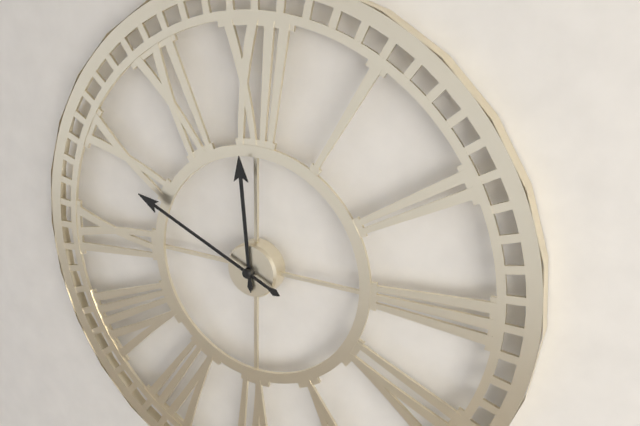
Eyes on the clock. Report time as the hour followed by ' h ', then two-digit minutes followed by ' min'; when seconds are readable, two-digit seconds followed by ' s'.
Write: 11 h 49 min
